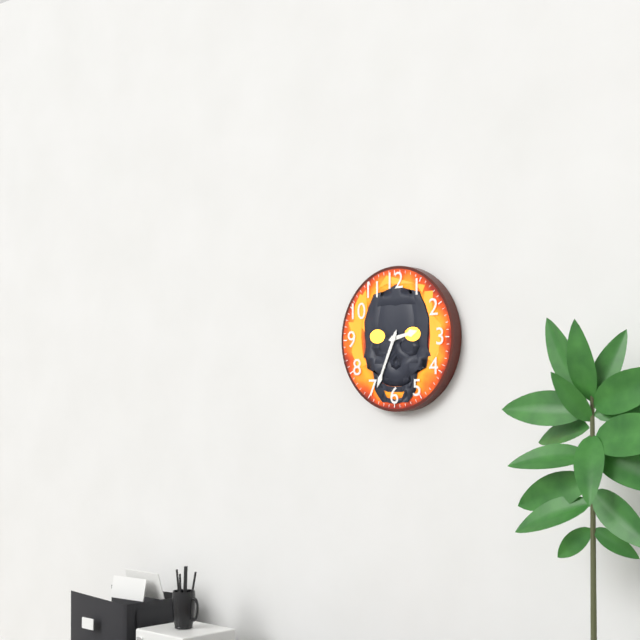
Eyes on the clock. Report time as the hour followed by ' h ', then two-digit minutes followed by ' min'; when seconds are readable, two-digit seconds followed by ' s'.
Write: 2 h 34 min
